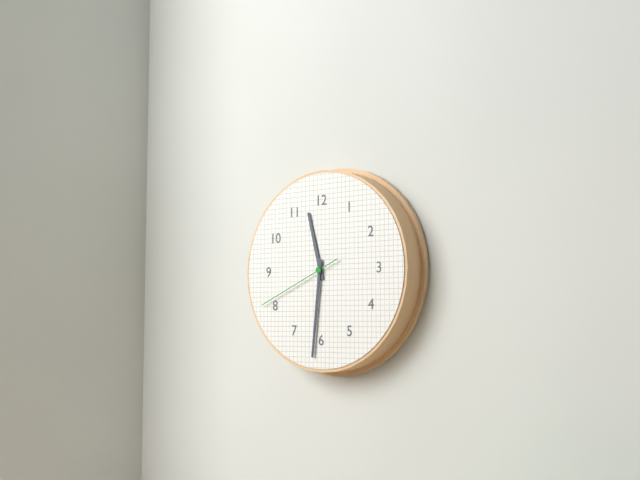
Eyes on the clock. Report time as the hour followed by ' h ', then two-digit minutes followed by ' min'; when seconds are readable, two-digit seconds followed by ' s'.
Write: 11 h 31 min 41 s
